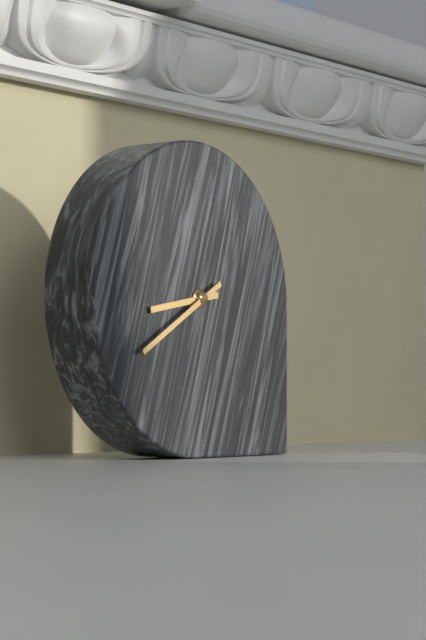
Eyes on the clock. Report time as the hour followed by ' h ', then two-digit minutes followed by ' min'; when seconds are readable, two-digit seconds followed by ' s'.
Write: 8 h 40 min
